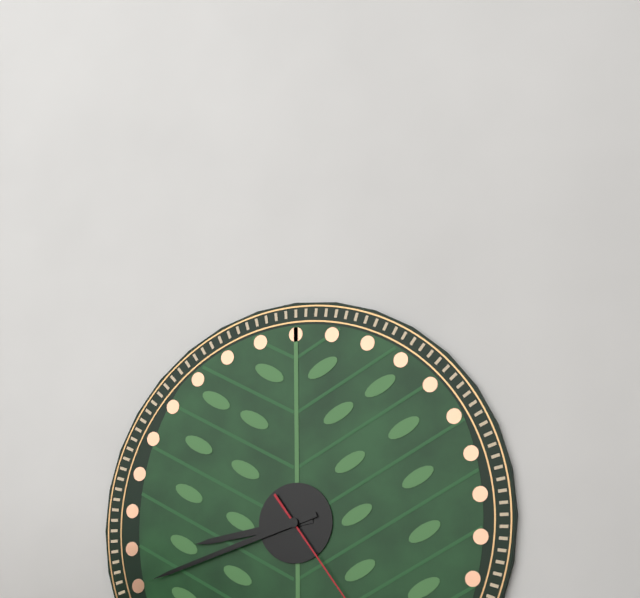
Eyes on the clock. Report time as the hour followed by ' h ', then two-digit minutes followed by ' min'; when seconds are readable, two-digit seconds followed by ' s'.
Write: 8 h 42 min
